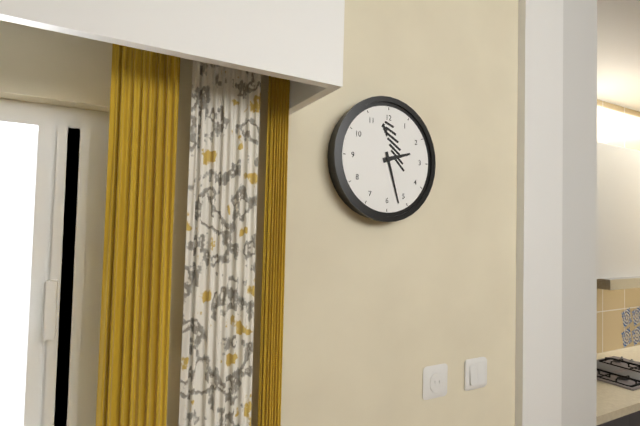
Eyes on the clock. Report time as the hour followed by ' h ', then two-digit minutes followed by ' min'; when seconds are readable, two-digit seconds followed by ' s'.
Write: 2 h 27 min
